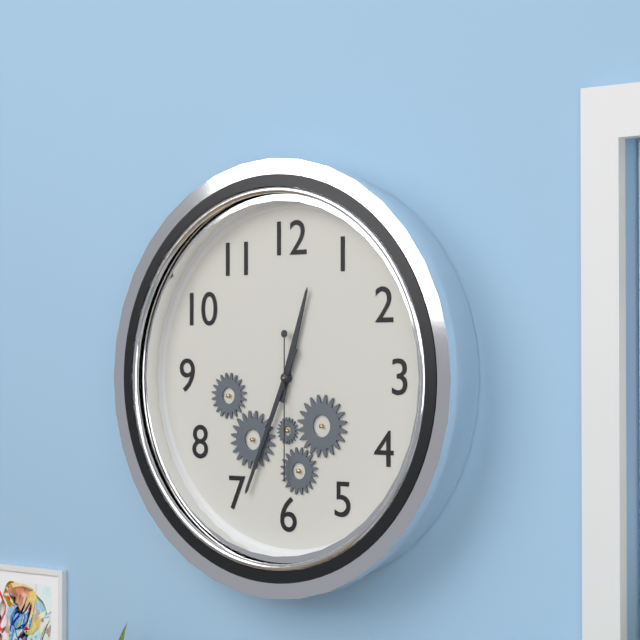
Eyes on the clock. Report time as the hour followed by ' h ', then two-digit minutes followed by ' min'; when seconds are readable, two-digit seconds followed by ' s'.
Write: 12 h 34 min 30 s
